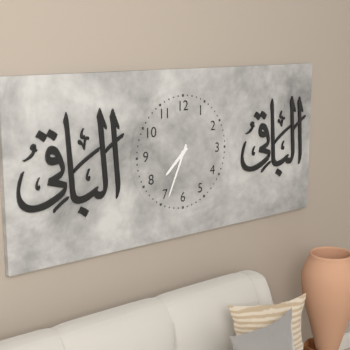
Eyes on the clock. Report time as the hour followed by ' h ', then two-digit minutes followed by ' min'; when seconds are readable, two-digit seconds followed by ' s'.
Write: 7 h 34 min
